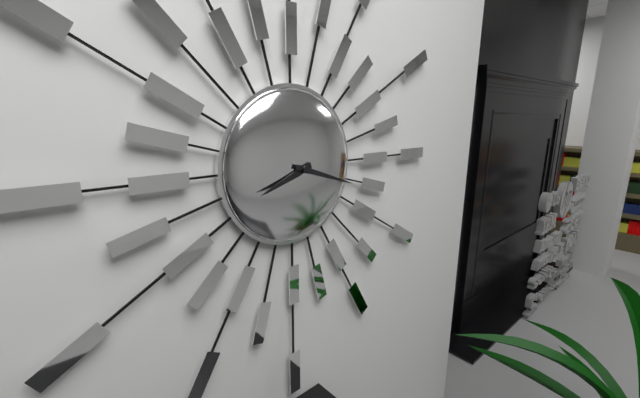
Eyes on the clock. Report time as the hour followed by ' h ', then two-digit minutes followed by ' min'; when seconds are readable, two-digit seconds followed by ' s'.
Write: 8 h 18 min
